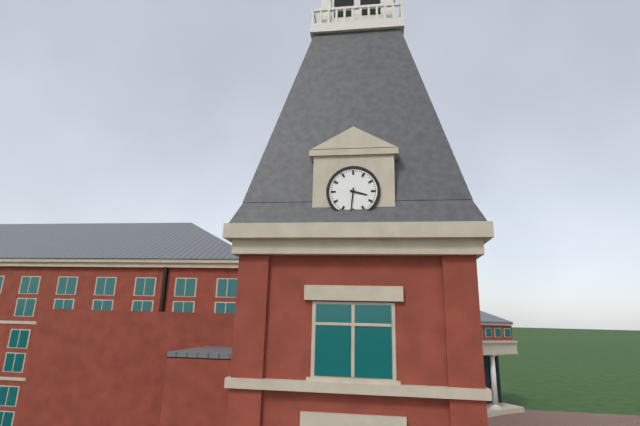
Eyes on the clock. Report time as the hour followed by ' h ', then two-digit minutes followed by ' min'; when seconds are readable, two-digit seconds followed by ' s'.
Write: 3 h 31 min
